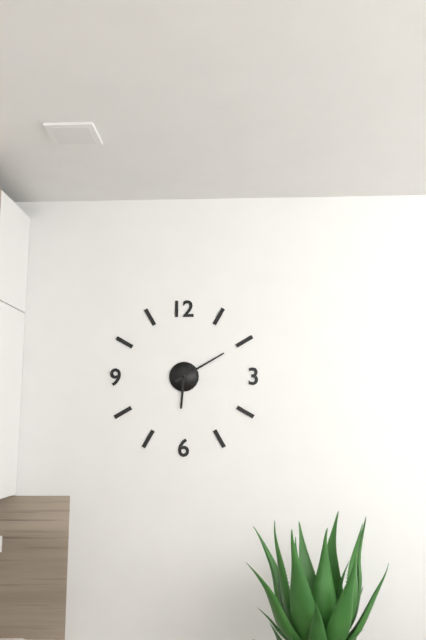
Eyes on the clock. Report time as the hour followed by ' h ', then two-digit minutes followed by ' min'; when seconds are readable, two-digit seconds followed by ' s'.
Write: 6 h 10 min
